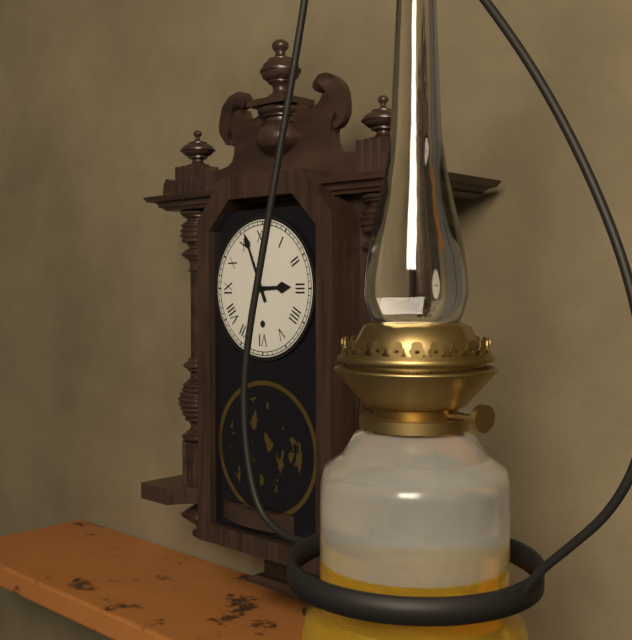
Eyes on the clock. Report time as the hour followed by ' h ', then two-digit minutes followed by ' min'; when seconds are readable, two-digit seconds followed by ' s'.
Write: 2 h 56 min
